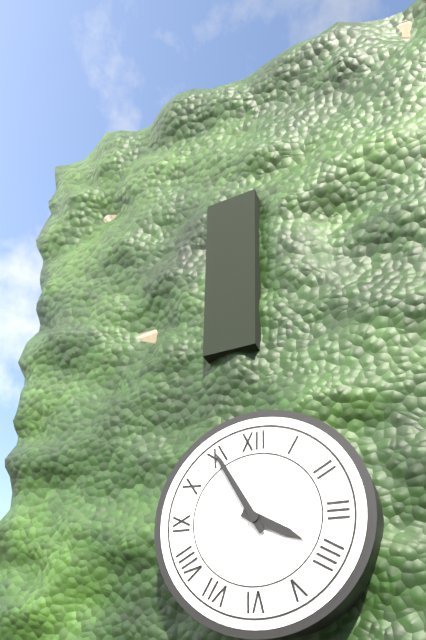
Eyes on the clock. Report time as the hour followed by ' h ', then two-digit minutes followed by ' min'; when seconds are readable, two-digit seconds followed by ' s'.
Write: 3 h 55 min
